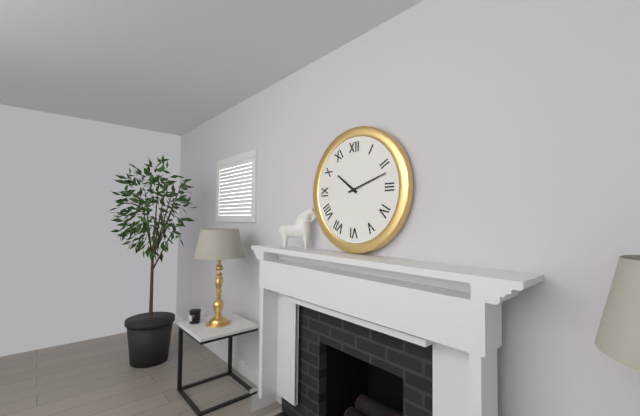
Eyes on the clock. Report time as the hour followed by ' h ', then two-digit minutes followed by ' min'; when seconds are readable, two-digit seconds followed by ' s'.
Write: 10 h 12 min
